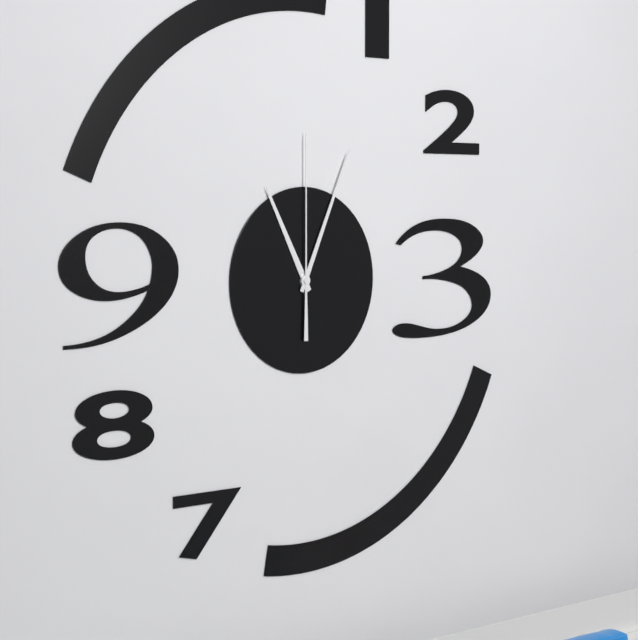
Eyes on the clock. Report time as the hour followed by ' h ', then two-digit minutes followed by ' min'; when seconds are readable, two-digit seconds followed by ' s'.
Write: 11 h 04 min 00 s
